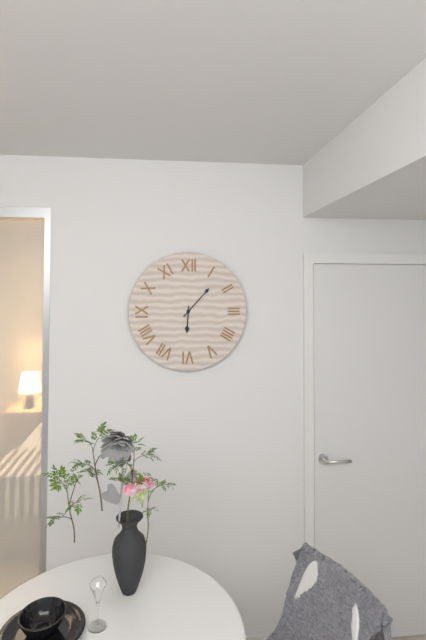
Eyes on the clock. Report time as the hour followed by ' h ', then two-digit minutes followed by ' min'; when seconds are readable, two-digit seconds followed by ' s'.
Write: 6 h 07 min
